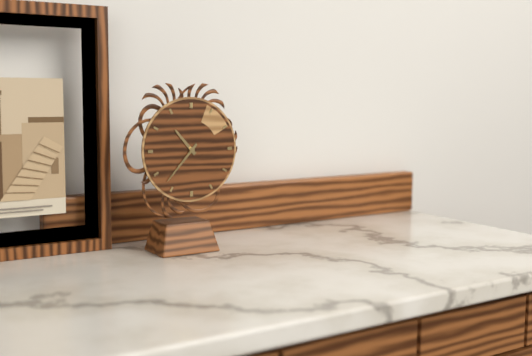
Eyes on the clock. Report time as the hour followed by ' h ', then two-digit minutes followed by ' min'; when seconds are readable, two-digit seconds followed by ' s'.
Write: 10 h 37 min
